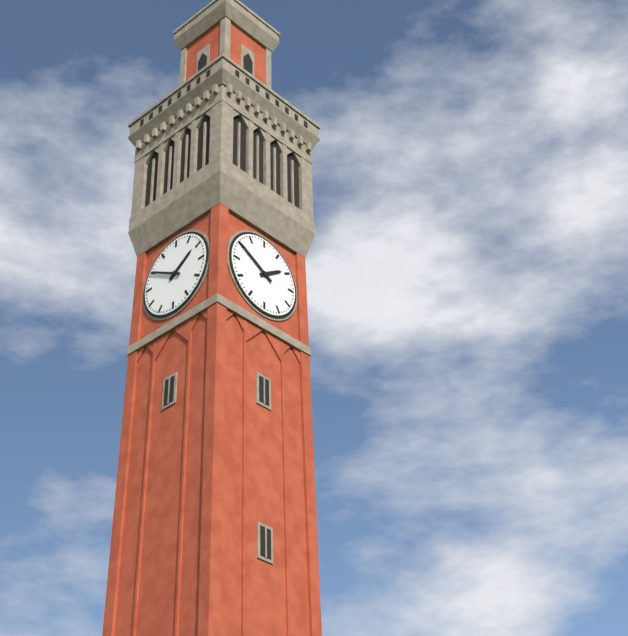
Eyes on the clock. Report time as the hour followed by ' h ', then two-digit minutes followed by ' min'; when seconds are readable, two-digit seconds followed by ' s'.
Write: 1 h 50 min
